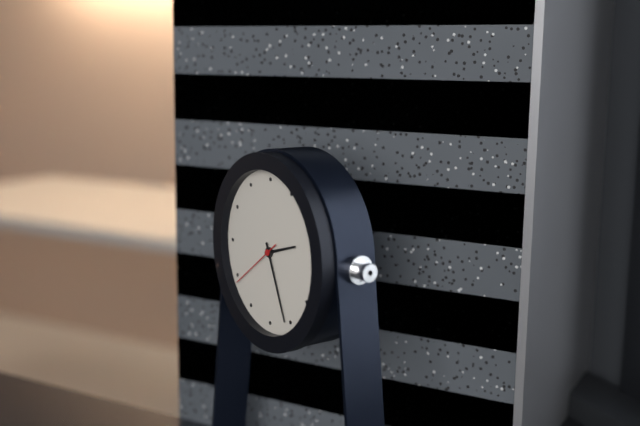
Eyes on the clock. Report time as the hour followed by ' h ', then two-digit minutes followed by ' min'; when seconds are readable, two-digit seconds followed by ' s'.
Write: 2 h 26 min 39 s
